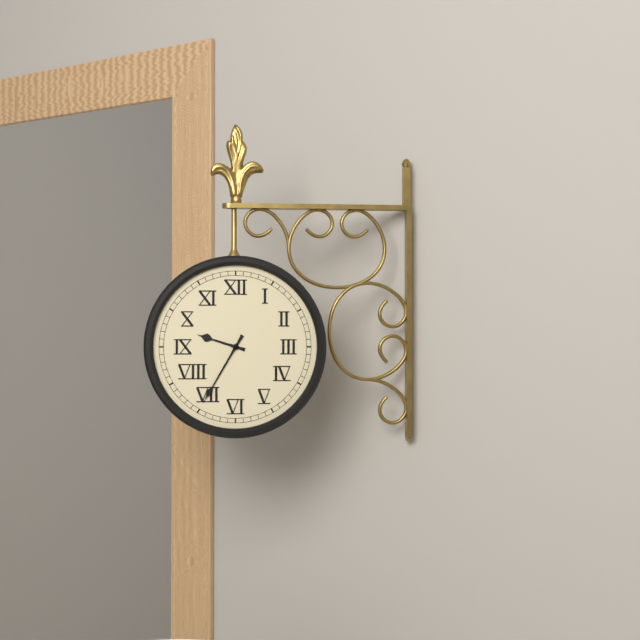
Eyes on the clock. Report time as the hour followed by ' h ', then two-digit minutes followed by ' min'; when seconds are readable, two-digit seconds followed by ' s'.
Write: 9 h 35 min
